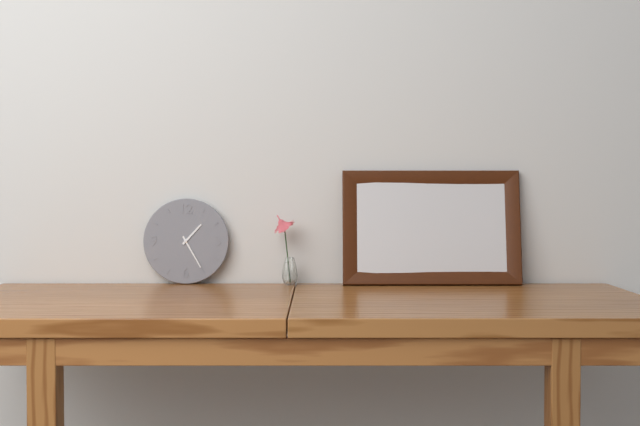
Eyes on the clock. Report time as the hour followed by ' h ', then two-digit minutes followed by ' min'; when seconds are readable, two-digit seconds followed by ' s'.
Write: 1 h 25 min
